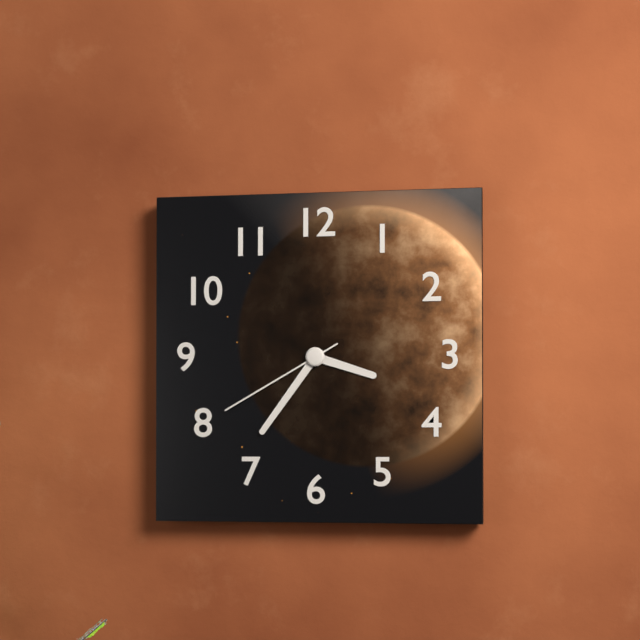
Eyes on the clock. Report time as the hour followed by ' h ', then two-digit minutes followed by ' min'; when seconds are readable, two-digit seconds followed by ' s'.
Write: 3 h 36 min 40 s
